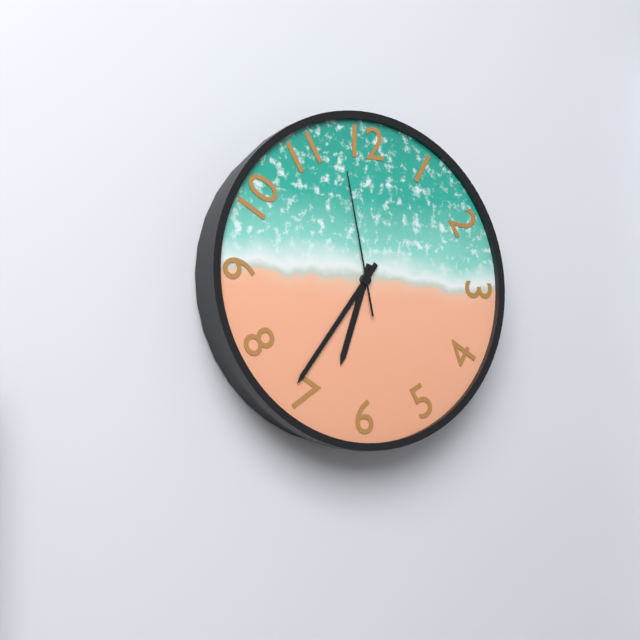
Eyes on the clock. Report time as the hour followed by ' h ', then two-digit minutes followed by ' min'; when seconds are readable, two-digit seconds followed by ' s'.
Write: 6 h 36 min 58 s
